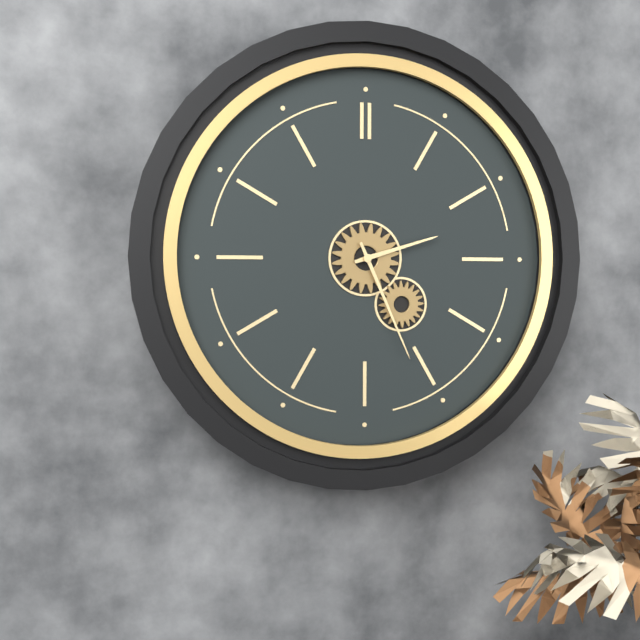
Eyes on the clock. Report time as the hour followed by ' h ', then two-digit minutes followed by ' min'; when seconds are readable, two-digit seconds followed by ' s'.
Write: 2 h 26 min
